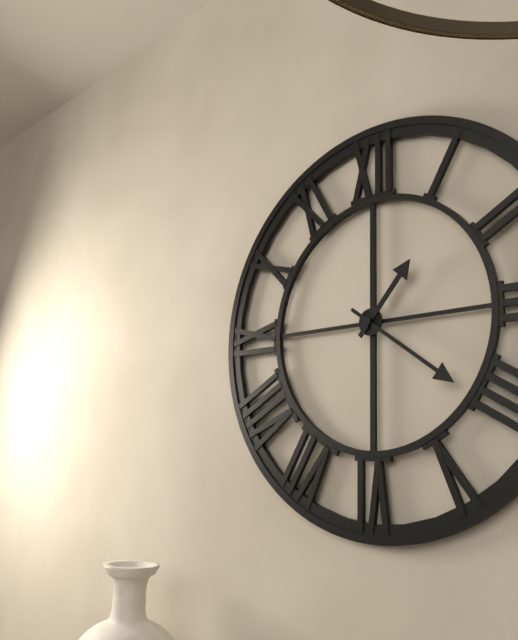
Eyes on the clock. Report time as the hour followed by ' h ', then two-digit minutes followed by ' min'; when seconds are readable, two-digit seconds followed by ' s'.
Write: 1 h 21 min
